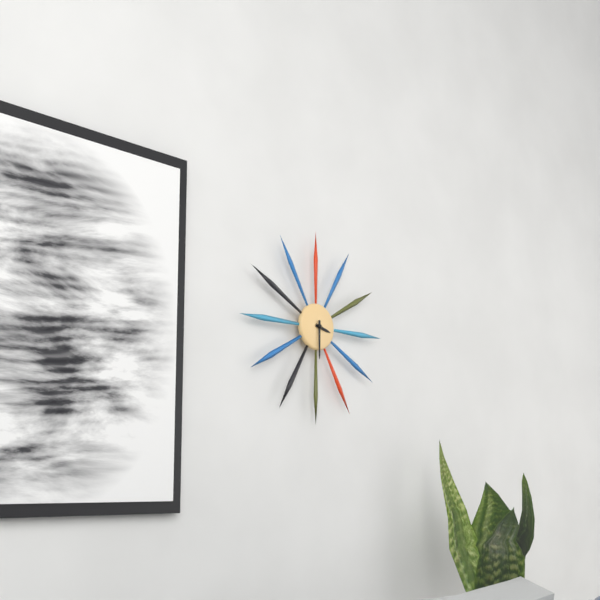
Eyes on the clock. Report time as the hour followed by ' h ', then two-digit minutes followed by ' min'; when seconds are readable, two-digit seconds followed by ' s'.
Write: 3 h 30 min
